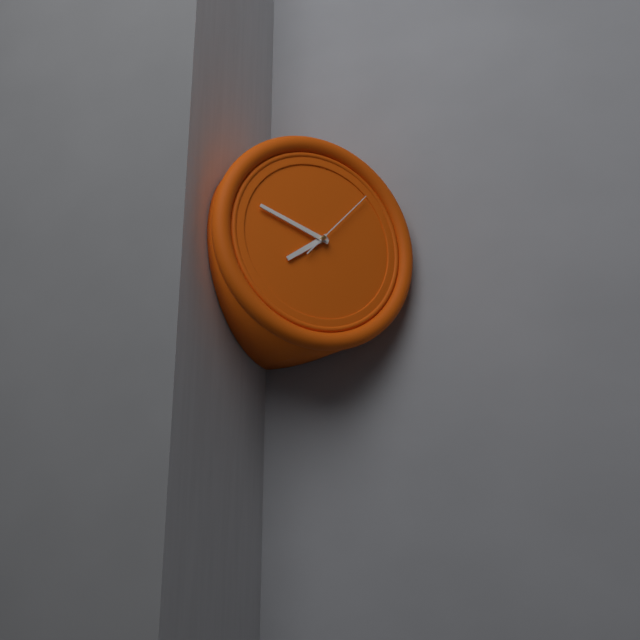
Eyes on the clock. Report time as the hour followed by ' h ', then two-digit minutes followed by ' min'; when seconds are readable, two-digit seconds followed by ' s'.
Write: 7 h 48 min 07 s
